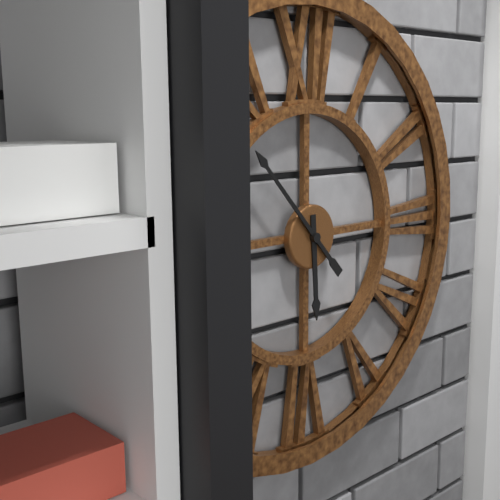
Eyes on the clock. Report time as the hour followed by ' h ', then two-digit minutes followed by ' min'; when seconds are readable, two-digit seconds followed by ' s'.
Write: 5 h 53 min
